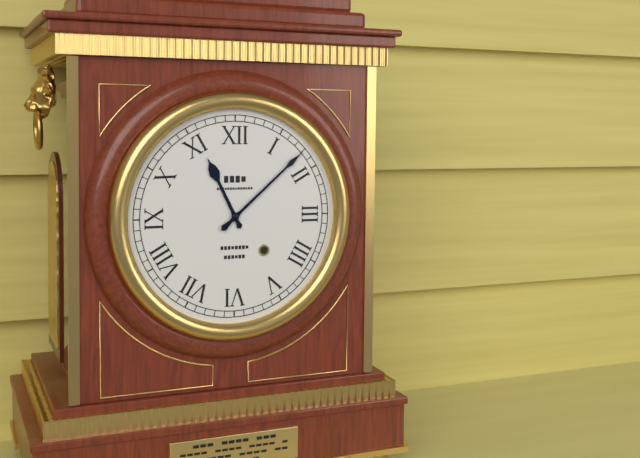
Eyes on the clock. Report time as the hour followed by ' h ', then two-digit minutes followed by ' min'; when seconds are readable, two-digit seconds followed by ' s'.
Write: 11 h 08 min
